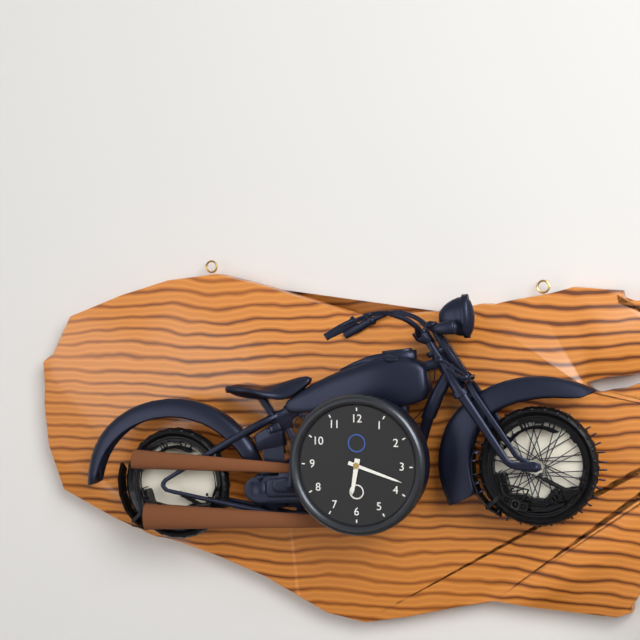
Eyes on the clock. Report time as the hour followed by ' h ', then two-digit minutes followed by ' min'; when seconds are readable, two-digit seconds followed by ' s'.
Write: 6 h 18 min
